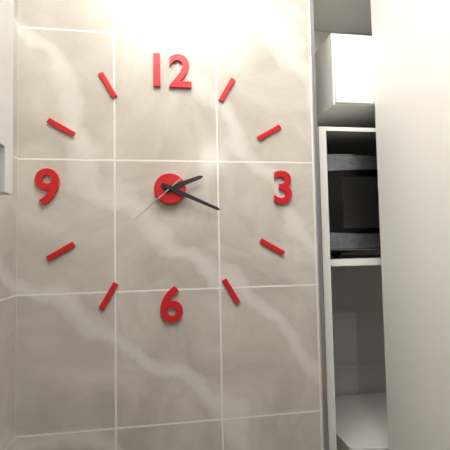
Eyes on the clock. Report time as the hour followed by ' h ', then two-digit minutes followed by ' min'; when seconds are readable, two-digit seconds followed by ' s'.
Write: 2 h 19 min 38 s
